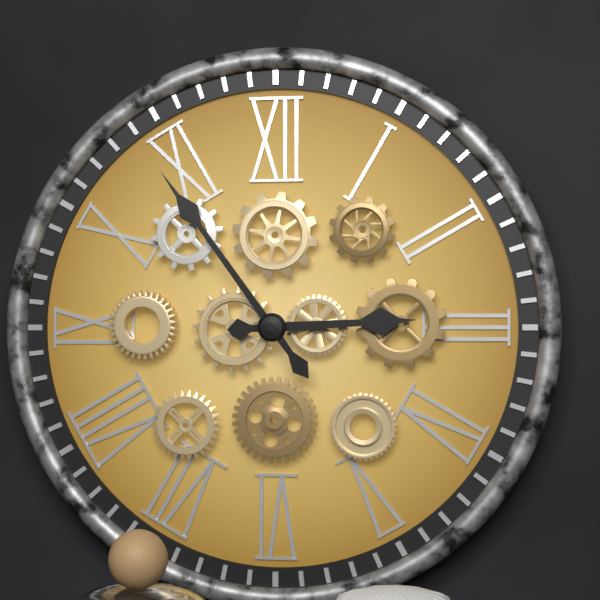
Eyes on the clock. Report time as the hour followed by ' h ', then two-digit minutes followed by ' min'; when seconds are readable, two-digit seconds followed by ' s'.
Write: 2 h 54 min
